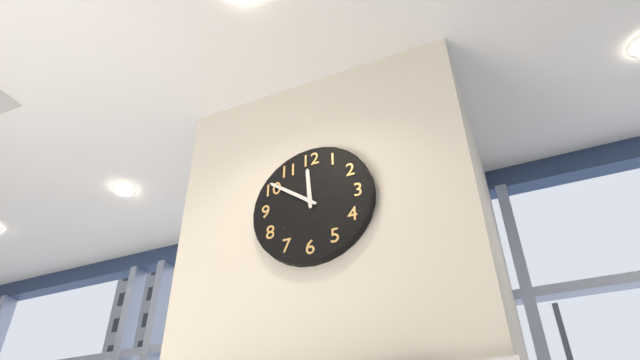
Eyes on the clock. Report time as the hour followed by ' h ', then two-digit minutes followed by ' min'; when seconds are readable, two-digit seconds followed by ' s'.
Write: 11 h 51 min
